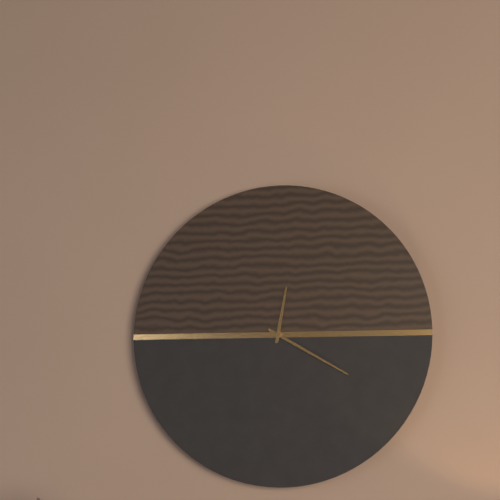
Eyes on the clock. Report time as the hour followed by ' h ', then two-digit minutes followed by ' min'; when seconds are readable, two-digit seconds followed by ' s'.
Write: 12 h 20 min
